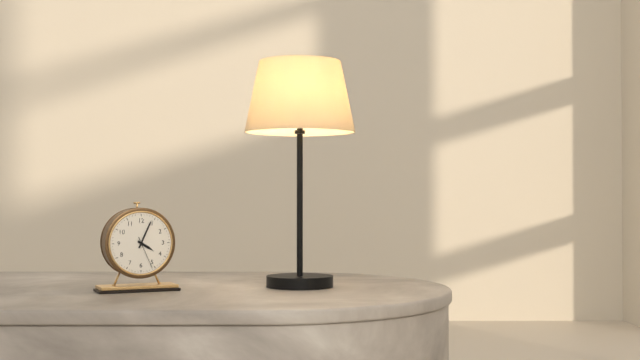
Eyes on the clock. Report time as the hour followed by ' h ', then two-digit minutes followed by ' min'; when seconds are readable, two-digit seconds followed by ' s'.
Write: 4 h 04 min
